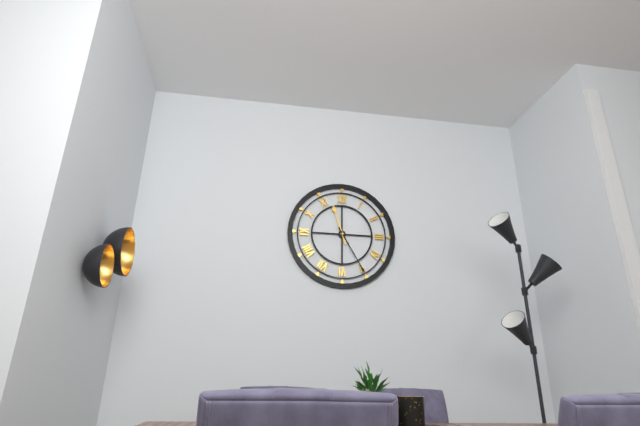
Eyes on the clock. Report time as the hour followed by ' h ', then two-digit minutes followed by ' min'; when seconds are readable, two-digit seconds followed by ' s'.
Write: 11 h 25 min
